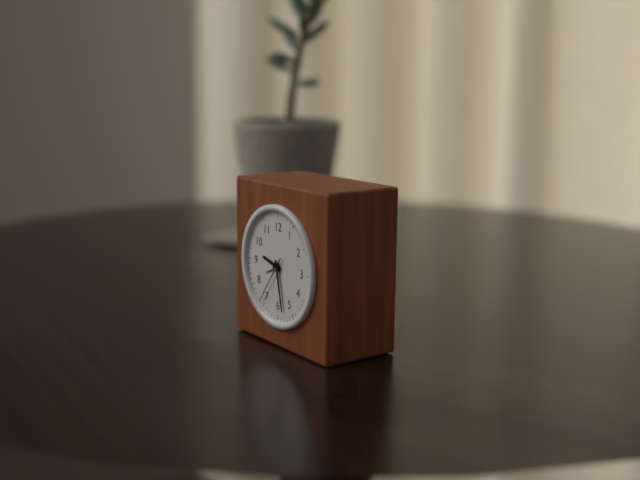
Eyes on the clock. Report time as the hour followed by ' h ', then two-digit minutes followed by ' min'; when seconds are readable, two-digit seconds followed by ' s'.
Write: 9 h 28 min
